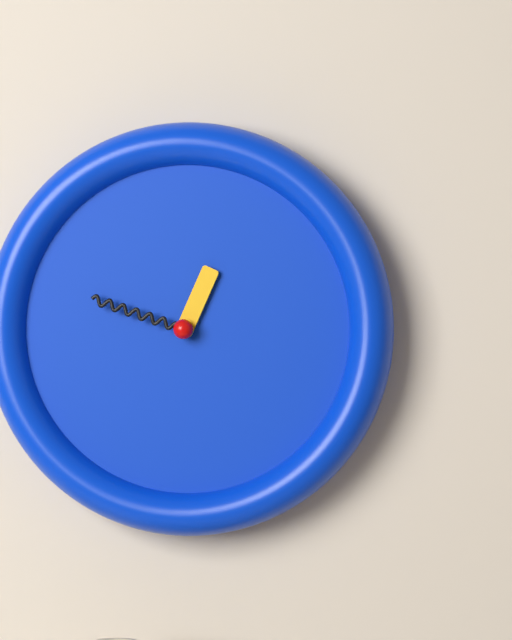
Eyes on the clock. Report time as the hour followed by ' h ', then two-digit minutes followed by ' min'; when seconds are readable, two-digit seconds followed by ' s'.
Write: 12 h 48 min
